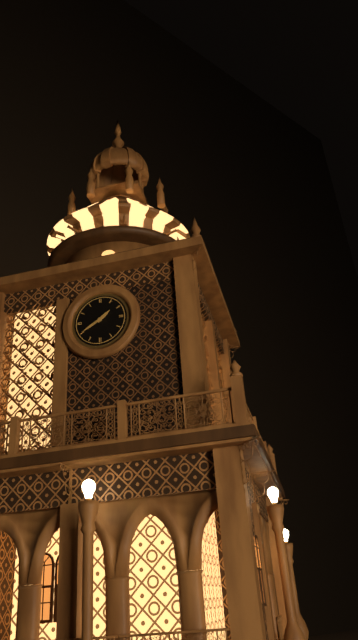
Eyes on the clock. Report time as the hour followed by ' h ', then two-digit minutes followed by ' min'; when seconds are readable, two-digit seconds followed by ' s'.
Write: 1 h 40 min
